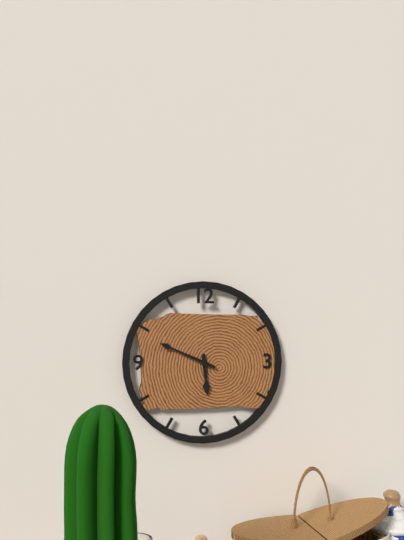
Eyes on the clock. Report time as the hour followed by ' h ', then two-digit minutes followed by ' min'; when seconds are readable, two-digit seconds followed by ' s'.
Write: 5 h 49 min
